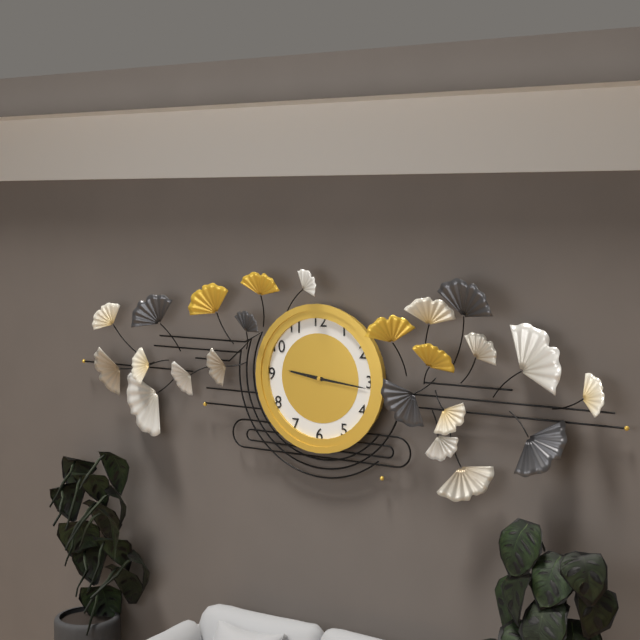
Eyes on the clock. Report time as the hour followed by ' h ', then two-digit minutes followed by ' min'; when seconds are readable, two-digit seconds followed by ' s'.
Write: 9 h 16 min
